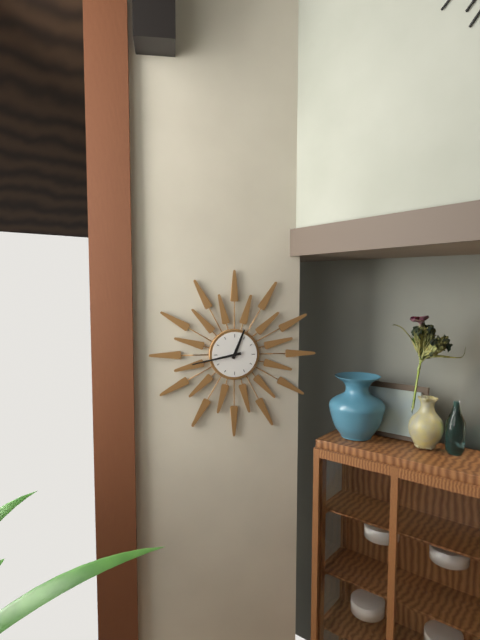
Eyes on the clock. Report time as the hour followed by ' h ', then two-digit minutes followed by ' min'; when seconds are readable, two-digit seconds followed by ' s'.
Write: 12 h 43 min
